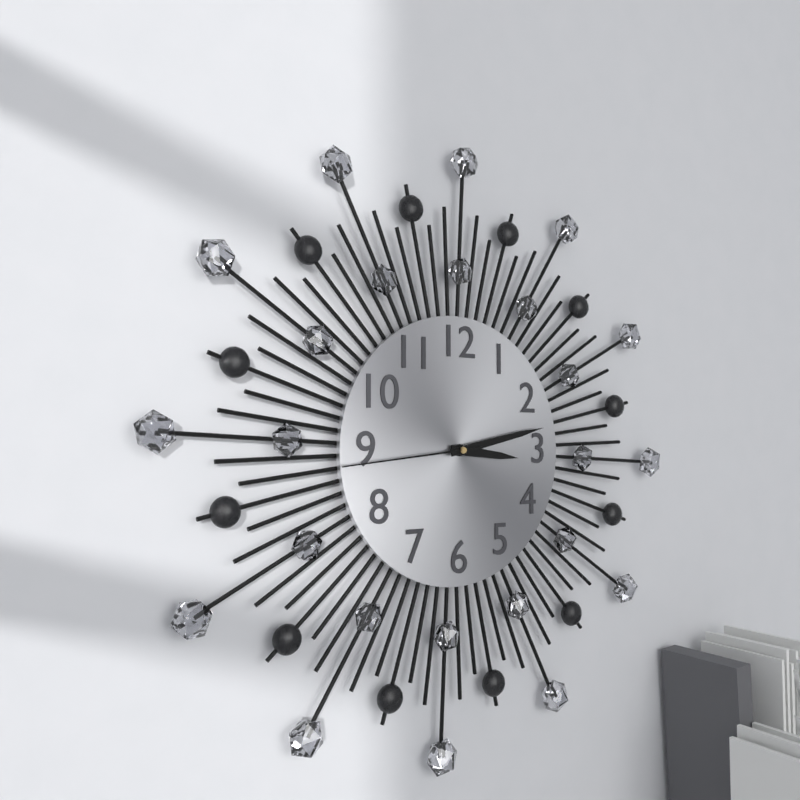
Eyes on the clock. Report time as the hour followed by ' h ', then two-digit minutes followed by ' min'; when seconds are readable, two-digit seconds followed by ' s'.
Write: 3 h 13 min 44 s
